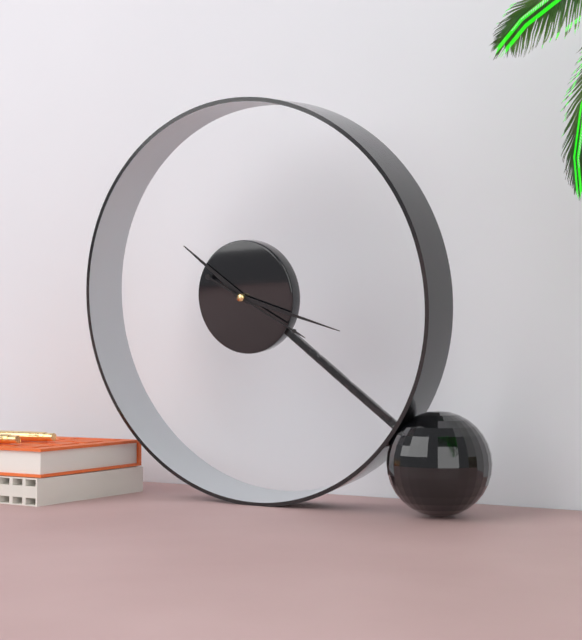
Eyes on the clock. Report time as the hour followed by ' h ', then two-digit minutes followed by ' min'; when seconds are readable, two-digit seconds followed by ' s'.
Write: 10 h 18 min 20 s
